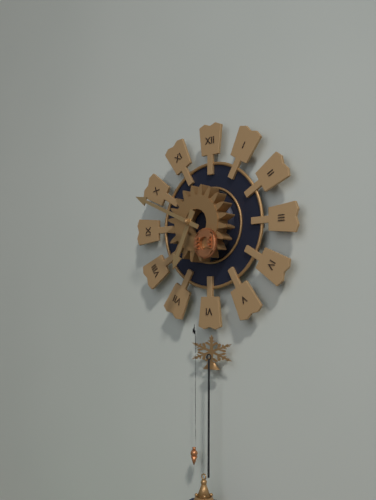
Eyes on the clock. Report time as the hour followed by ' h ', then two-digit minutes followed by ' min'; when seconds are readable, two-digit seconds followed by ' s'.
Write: 6 h 49 min
